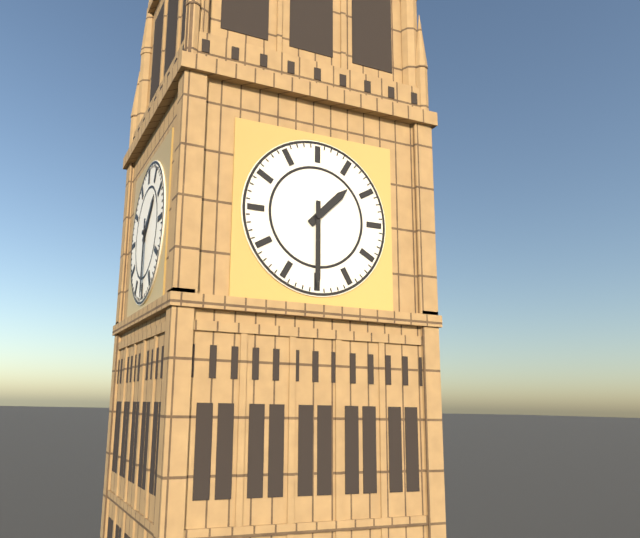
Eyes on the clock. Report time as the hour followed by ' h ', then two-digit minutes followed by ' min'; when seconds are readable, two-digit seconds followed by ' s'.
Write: 1 h 30 min
